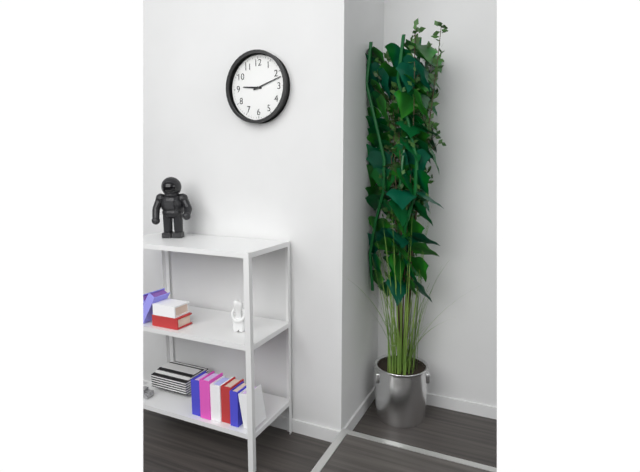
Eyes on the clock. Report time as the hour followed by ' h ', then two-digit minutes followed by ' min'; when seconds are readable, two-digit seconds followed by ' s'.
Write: 9 h 12 min
